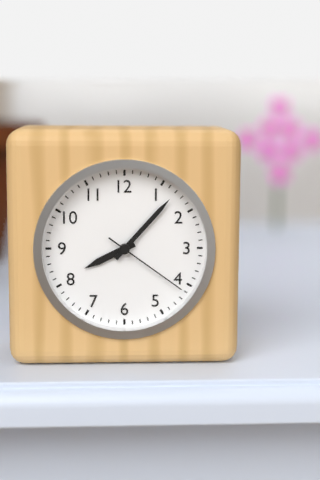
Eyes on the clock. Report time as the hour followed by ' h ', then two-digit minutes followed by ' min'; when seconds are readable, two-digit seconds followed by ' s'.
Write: 8 h 07 min 21 s
